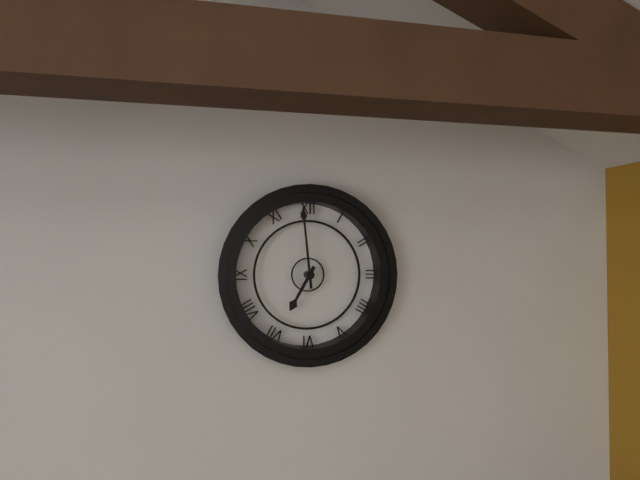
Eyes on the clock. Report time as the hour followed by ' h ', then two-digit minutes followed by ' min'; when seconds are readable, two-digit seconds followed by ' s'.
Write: 6 h 59 min
